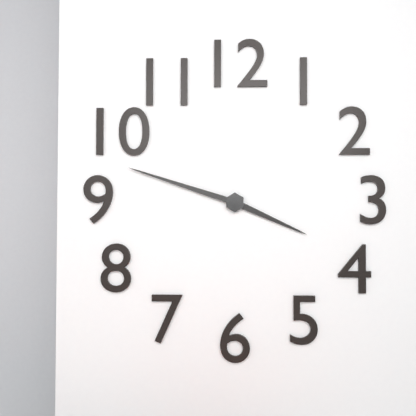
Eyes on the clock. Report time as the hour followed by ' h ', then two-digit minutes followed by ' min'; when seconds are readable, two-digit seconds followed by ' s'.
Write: 3 h 48 min
